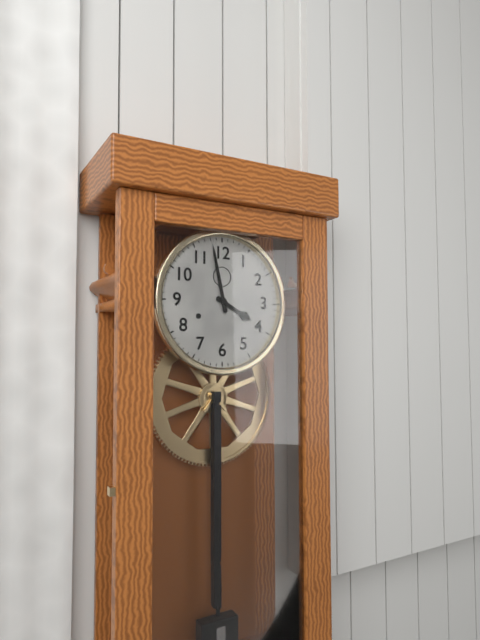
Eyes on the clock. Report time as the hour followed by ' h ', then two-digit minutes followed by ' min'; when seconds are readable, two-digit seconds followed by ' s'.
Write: 3 h 58 min
